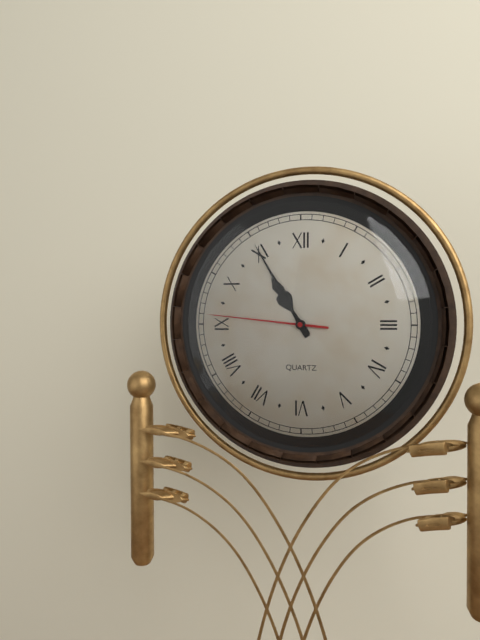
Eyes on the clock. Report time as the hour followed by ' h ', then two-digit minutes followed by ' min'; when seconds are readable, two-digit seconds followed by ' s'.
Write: 10 h 55 min 46 s
